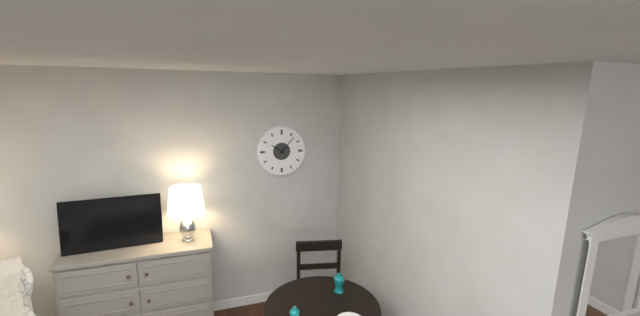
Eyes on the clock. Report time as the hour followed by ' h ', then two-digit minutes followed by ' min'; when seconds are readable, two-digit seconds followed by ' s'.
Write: 10 h 07 min
